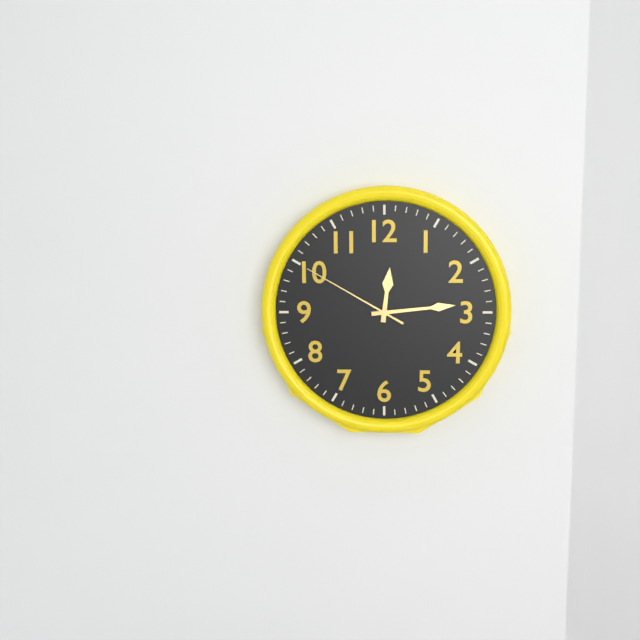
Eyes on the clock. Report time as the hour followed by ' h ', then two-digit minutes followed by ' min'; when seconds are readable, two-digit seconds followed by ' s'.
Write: 12 h 14 min 50 s
